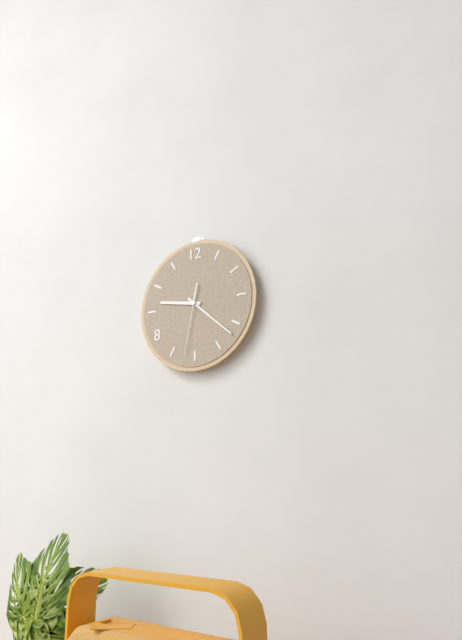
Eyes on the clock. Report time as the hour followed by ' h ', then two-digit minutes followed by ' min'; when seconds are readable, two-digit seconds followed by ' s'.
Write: 9 h 22 min 32 s
